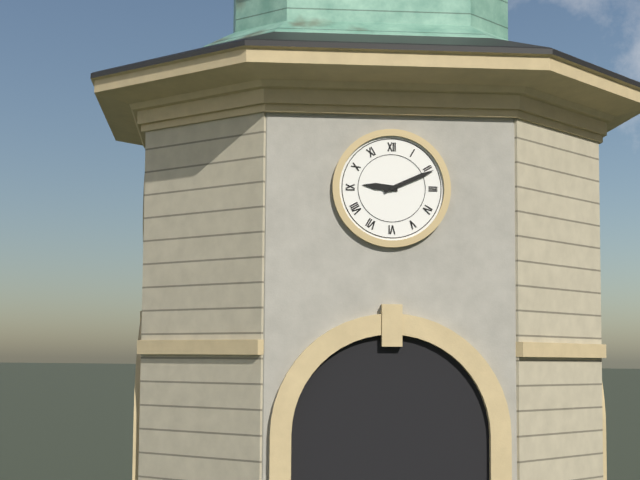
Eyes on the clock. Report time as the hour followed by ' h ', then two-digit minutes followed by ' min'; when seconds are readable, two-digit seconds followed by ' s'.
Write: 9 h 11 min
